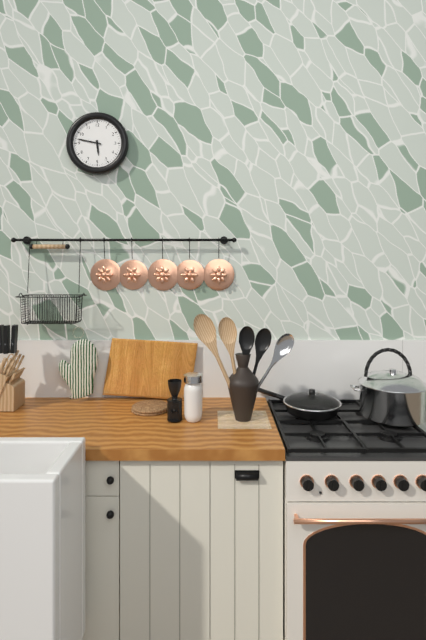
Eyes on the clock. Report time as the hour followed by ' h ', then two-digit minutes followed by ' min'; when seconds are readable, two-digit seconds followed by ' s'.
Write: 5 h 47 min
